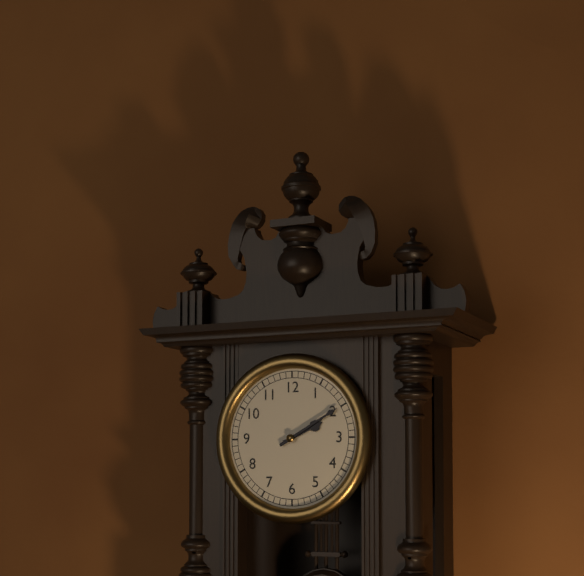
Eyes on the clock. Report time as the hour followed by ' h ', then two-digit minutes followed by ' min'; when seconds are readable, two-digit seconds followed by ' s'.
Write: 2 h 10 min
